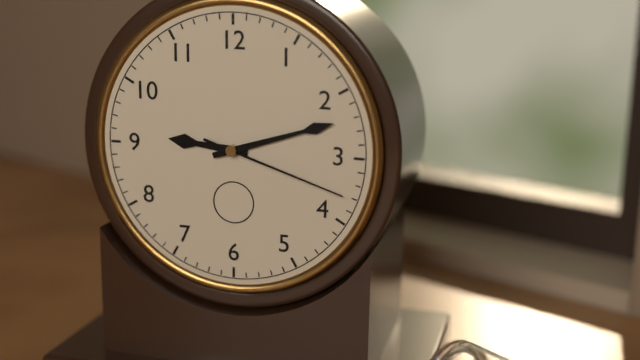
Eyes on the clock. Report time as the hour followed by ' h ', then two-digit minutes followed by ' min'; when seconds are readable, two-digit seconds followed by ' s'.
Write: 9 h 12 min 18 s
